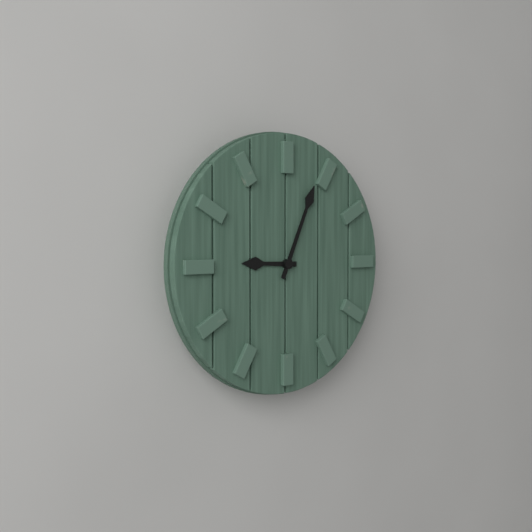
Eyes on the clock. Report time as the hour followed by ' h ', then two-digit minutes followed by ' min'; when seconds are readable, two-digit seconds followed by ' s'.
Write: 9 h 04 min
